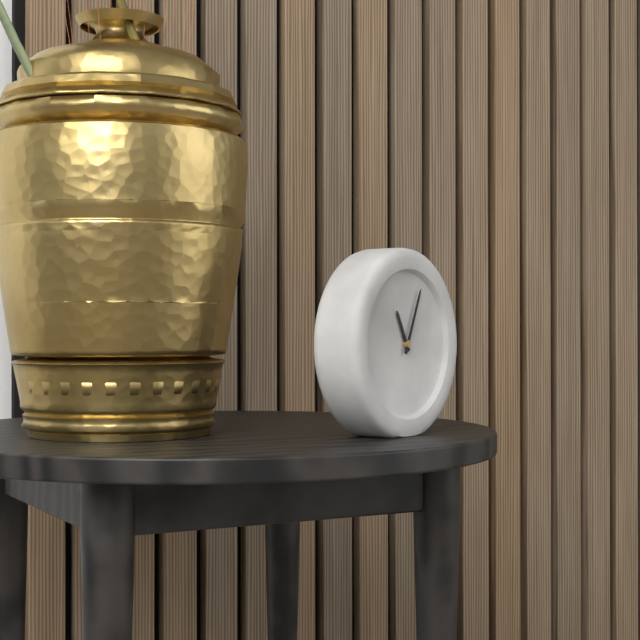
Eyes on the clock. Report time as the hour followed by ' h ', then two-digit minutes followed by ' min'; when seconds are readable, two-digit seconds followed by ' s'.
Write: 11 h 04 min
